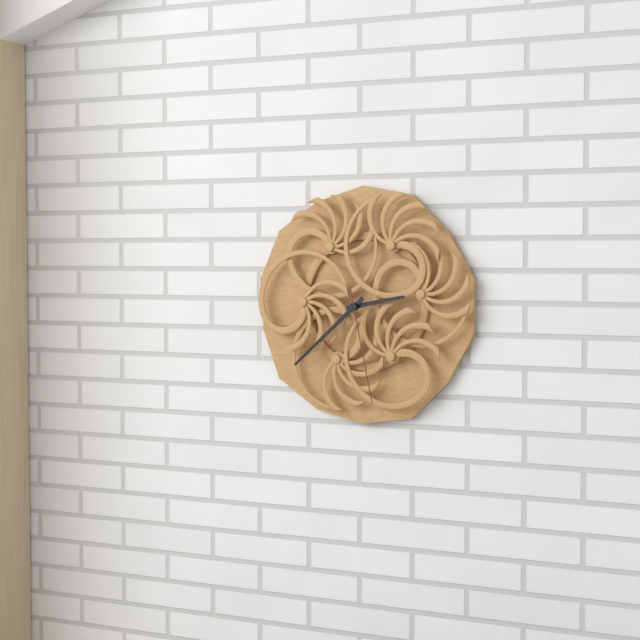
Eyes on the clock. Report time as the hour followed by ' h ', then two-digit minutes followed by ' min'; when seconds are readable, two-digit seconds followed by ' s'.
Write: 2 h 38 min 28 s
